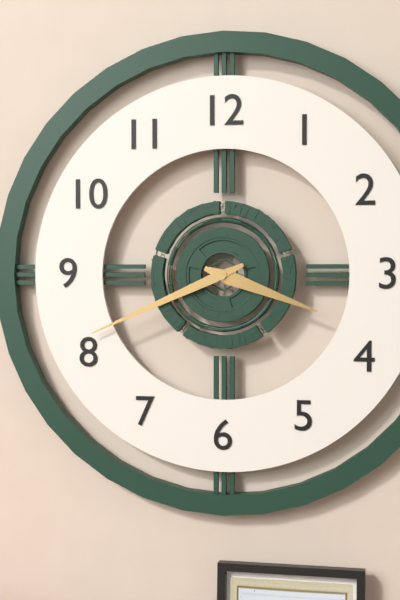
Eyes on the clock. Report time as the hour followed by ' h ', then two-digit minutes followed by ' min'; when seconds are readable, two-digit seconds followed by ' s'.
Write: 3 h 41 min
